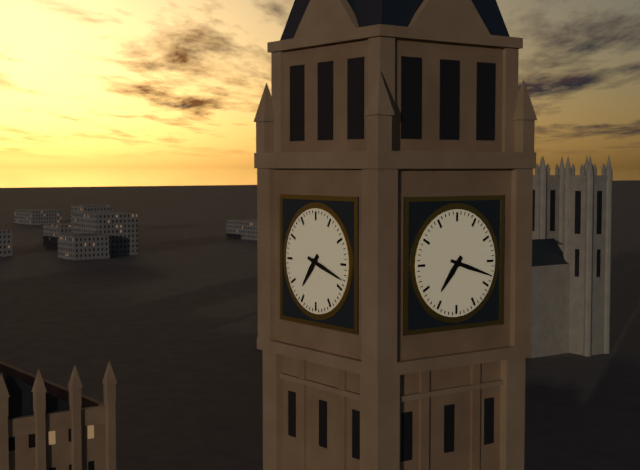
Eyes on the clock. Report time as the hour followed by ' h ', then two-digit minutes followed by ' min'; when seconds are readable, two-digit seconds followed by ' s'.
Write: 7 h 18 min
